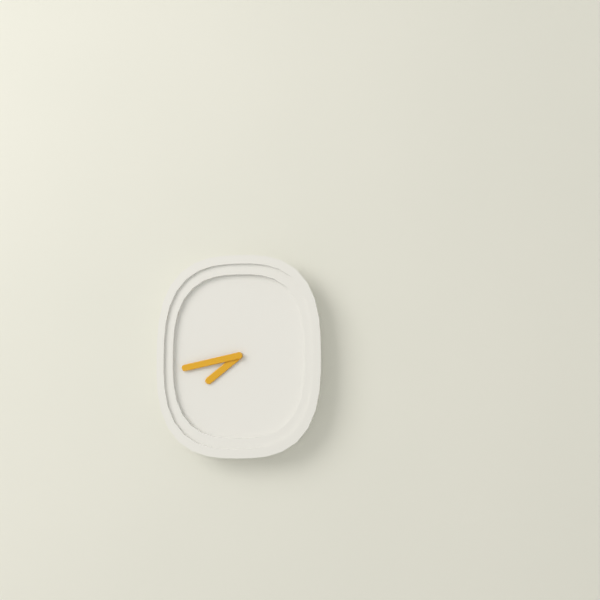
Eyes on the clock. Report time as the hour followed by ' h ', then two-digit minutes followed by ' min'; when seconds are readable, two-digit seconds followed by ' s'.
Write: 7 h 43 min
